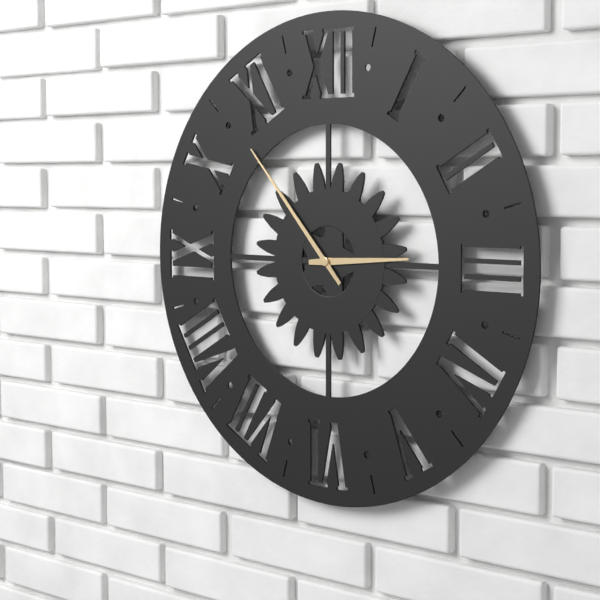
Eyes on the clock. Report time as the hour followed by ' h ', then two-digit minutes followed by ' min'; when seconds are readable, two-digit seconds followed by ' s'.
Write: 2 h 53 min
